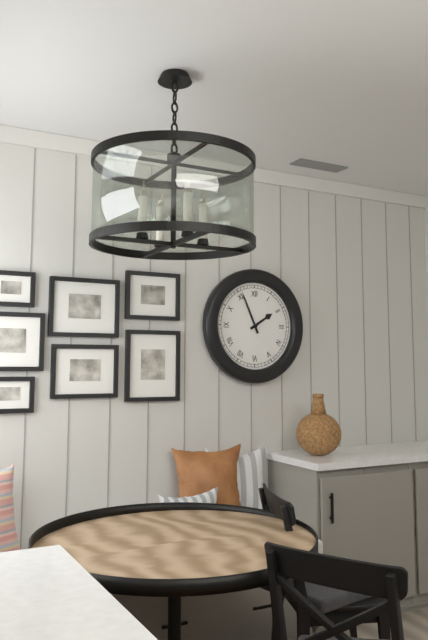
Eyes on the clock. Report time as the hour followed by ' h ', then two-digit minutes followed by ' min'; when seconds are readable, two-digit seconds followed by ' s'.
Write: 1 h 56 min
